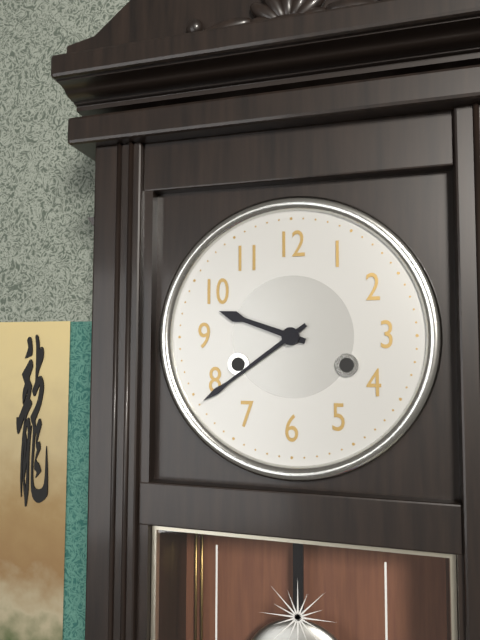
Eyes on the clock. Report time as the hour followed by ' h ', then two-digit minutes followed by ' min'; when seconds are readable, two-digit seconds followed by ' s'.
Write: 9 h 39 min
